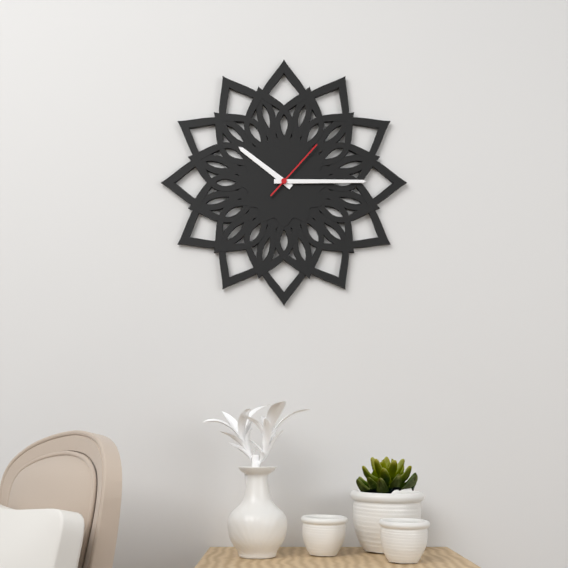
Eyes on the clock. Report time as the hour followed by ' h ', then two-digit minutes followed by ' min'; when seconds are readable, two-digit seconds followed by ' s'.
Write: 10 h 15 min 07 s
